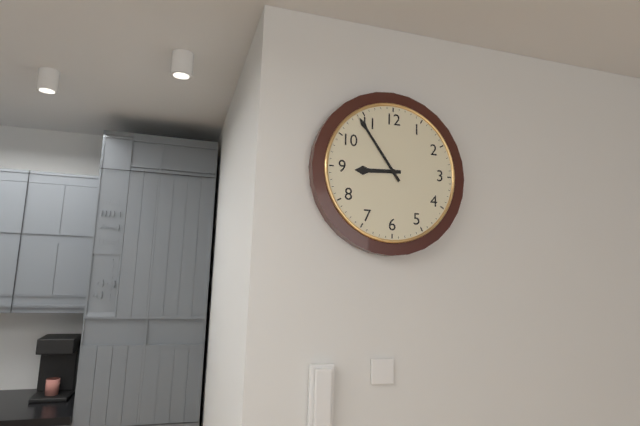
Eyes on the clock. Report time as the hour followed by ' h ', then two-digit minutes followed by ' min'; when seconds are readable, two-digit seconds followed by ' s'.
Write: 8 h 54 min
